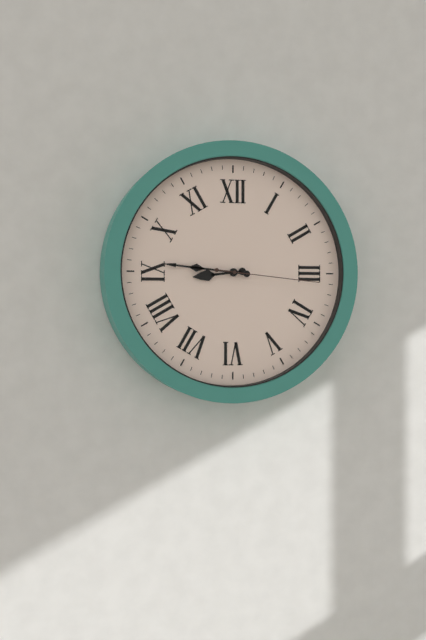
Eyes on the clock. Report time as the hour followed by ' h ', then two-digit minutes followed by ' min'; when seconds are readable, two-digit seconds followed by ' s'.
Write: 8 h 46 min 16 s
